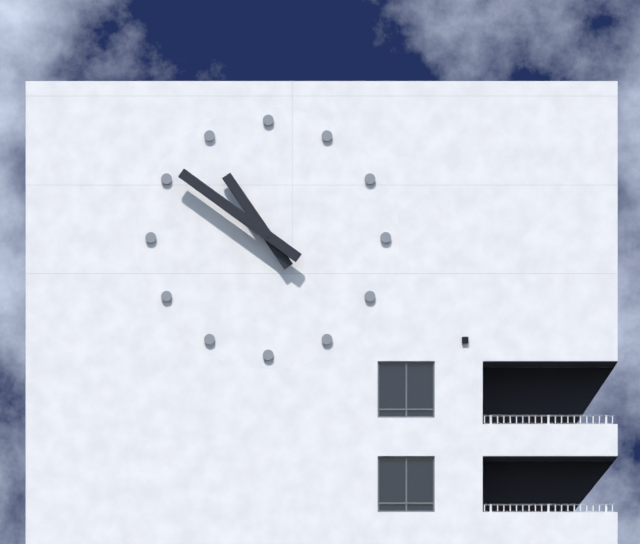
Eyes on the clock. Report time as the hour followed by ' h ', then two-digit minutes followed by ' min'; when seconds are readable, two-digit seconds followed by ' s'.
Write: 10 h 51 min
